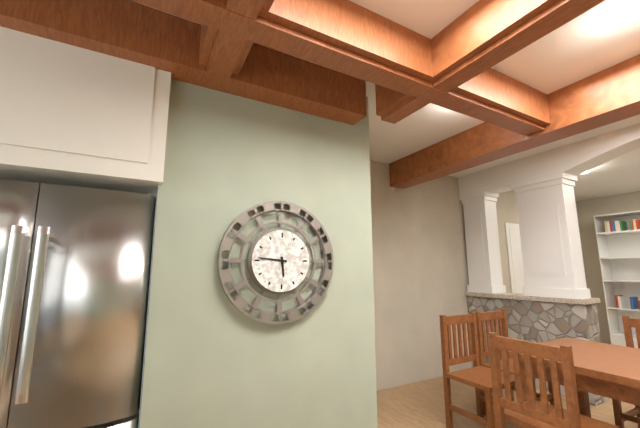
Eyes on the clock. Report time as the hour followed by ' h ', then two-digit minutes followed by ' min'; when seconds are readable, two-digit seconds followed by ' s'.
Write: 5 h 46 min
